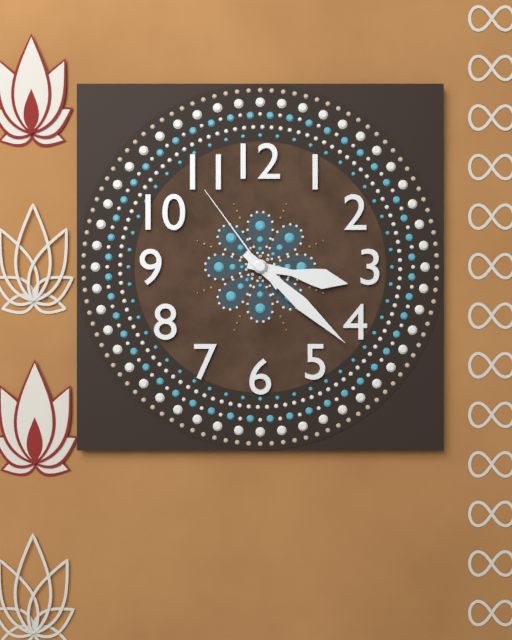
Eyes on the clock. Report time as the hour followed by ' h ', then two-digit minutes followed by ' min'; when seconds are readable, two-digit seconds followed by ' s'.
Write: 3 h 22 min 54 s
